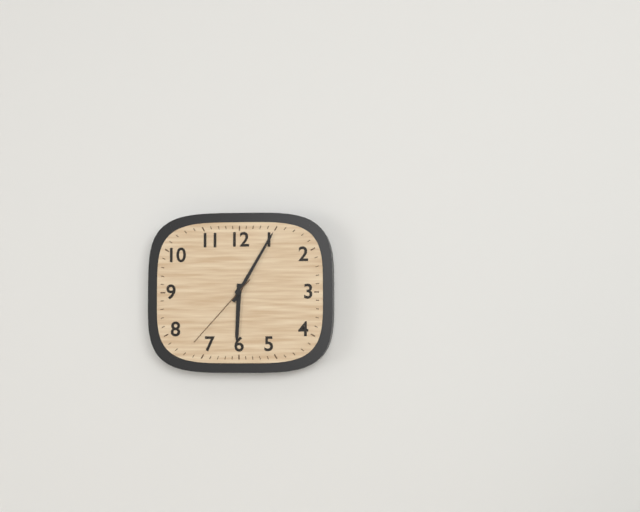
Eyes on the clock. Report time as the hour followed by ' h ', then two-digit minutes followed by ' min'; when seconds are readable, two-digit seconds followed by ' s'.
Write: 6 h 05 min 37 s
